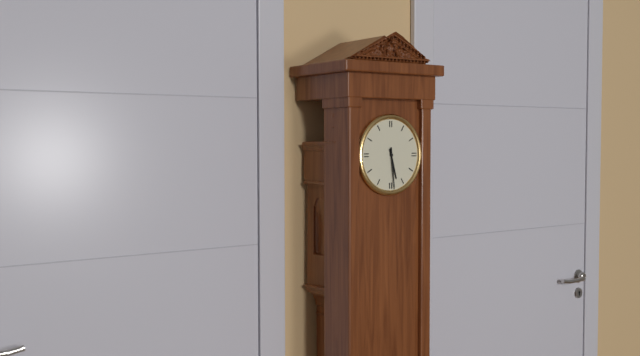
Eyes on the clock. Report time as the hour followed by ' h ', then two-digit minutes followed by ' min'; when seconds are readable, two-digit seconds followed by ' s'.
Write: 5 h 29 min
